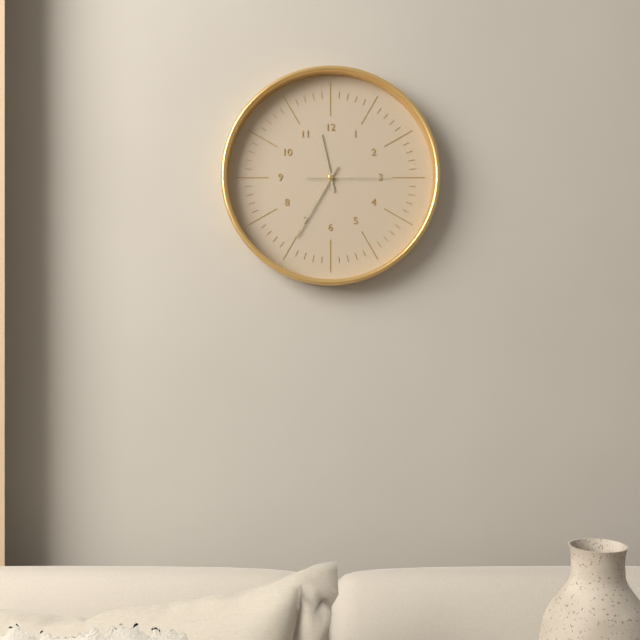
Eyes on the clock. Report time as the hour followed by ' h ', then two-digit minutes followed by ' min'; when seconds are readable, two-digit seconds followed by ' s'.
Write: 11 h 35 min 15 s
